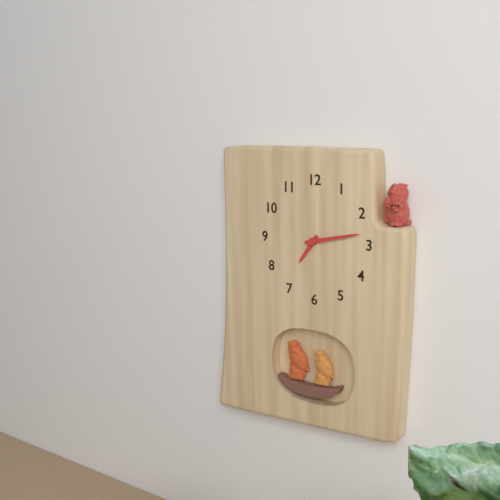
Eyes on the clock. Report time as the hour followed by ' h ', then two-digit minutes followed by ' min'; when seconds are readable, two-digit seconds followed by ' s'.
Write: 7 h 13 min
